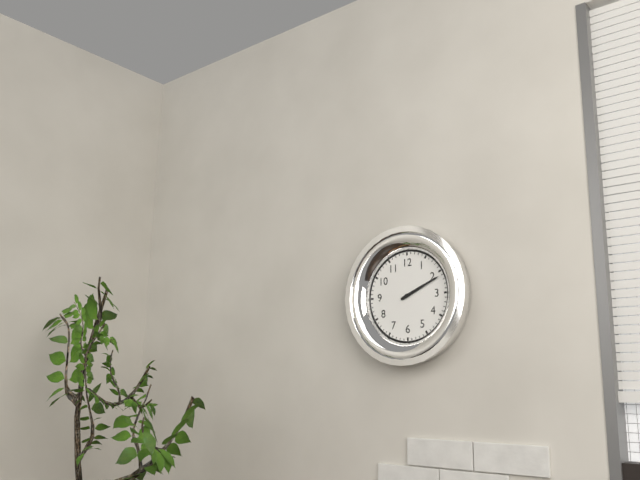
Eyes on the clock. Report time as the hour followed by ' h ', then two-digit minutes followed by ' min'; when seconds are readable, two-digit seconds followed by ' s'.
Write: 2 h 11 min
